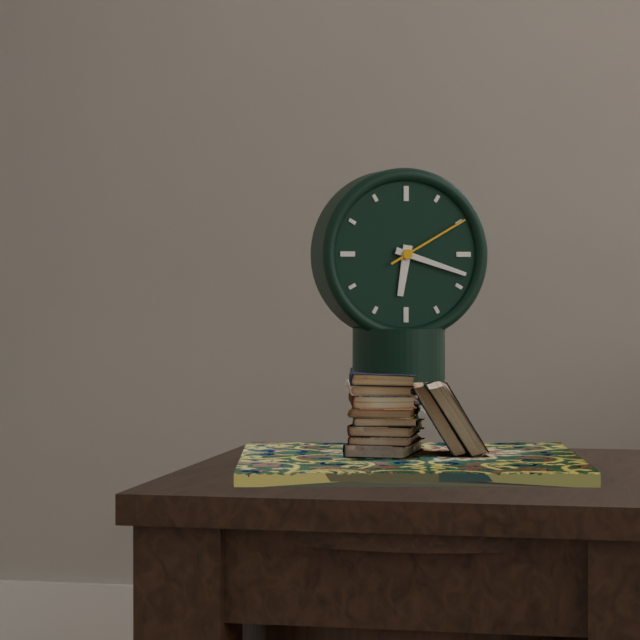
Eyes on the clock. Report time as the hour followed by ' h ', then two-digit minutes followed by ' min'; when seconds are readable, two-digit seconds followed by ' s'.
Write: 6 h 18 min 10 s
